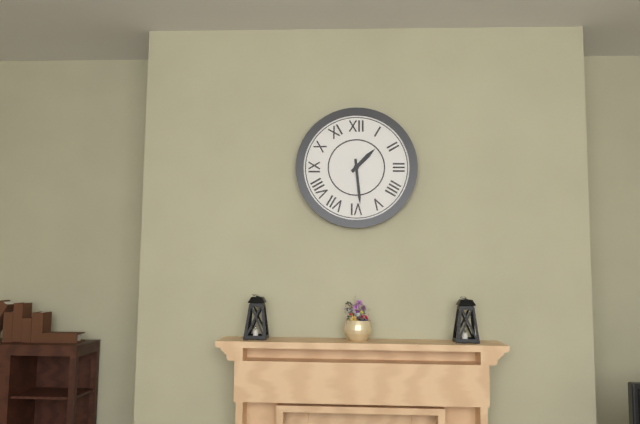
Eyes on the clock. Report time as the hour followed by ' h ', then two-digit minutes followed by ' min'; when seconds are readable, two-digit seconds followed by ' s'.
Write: 1 h 29 min
